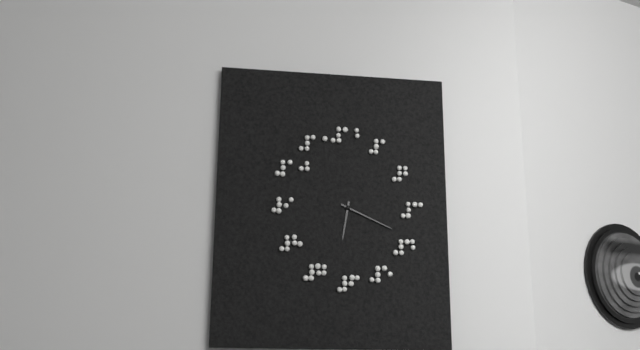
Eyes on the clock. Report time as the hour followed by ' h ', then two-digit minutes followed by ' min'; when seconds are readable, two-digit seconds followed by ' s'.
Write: 6 h 19 min
